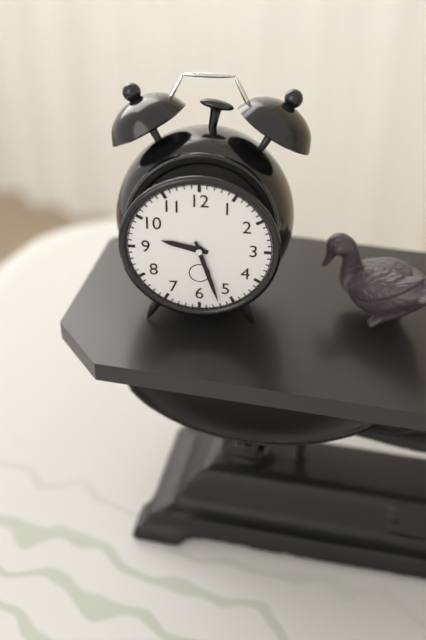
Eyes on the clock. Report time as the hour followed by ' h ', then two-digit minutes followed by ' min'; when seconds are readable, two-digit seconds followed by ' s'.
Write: 9 h 27 min
